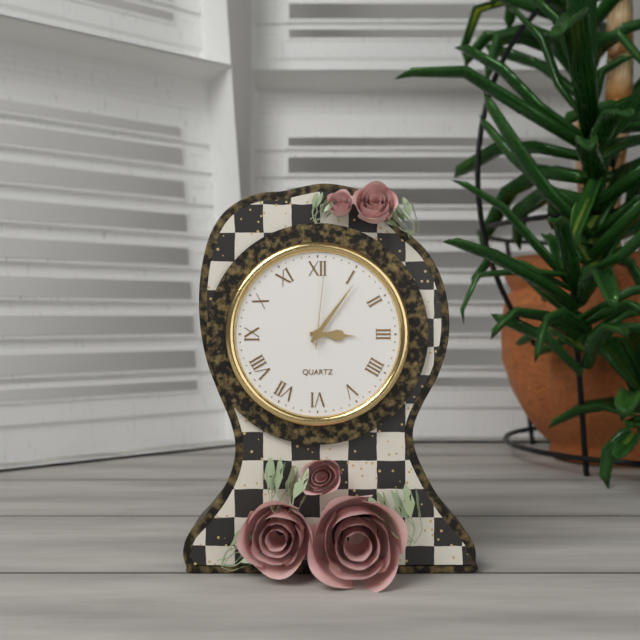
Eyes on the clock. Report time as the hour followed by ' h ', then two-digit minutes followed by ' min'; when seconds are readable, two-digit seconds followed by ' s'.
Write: 3 h 06 min 01 s
